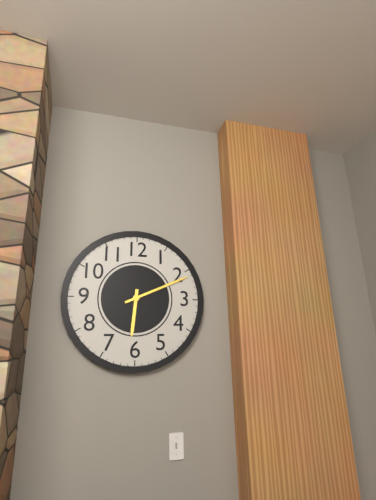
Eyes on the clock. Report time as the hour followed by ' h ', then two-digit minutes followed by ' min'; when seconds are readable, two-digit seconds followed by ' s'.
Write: 6 h 11 min
